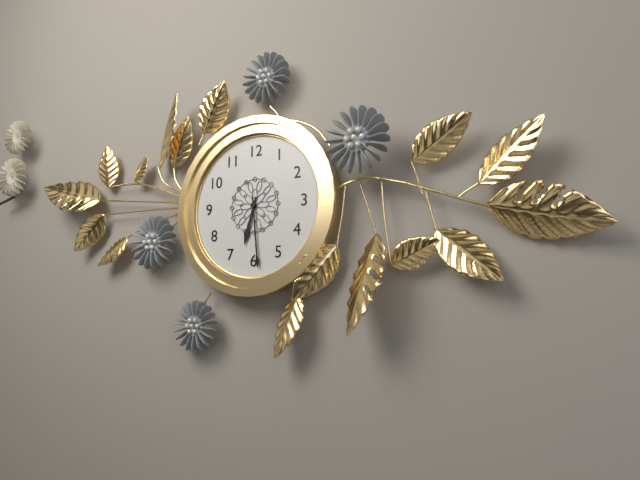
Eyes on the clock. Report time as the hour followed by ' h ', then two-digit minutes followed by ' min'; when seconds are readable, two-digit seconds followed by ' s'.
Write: 6 h 29 min
